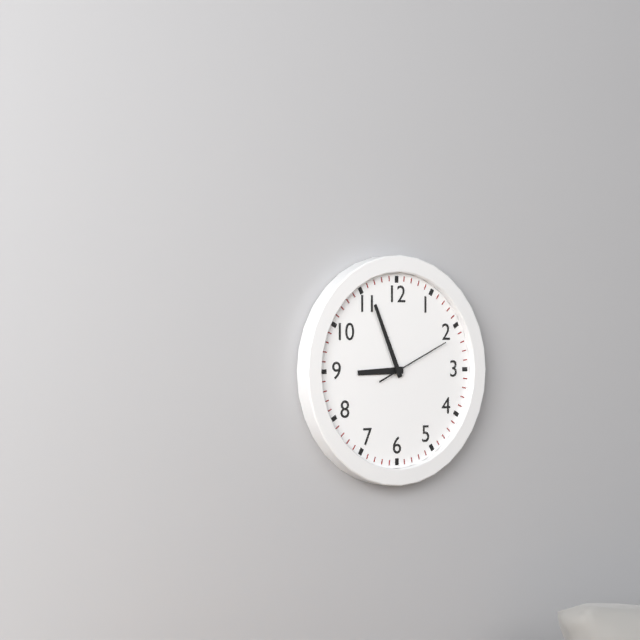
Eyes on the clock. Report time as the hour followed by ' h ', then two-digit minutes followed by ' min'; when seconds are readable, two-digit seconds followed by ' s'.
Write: 8 h 56 min 11 s
